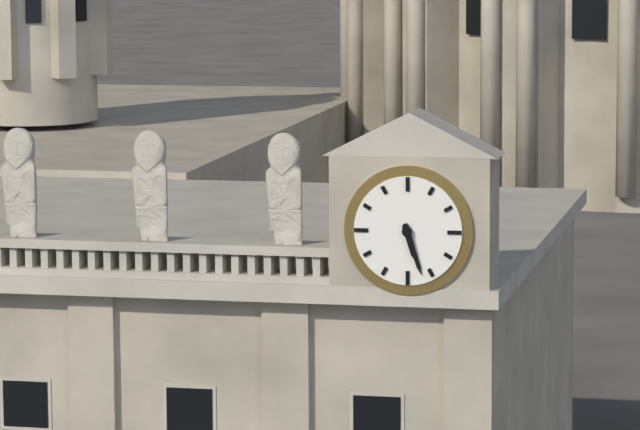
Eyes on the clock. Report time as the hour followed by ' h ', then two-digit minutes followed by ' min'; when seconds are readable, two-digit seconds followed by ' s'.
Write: 5 h 27 min
